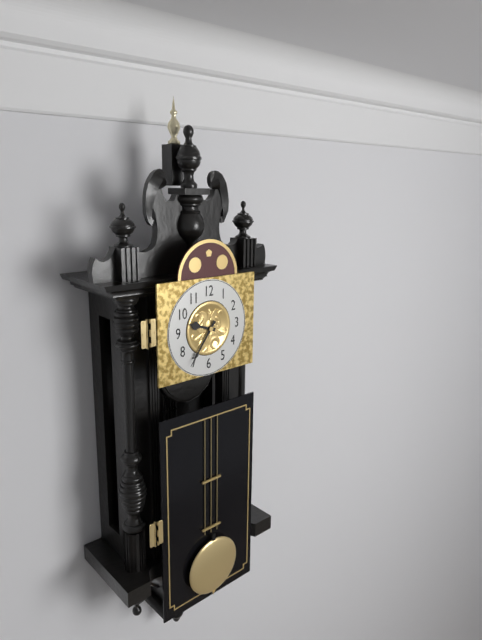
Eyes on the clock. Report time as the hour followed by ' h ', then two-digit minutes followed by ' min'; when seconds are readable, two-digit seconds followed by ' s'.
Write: 9 h 36 min
